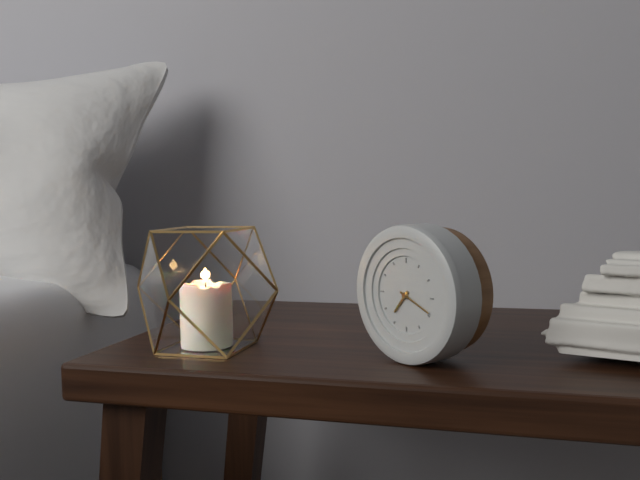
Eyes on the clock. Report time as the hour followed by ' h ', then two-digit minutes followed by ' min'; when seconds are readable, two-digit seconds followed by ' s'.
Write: 7 h 19 min
